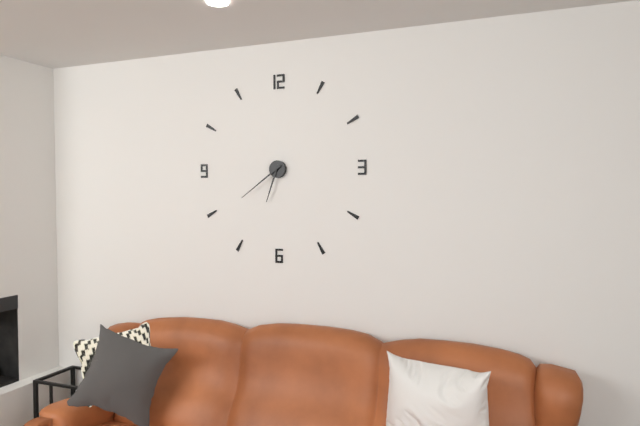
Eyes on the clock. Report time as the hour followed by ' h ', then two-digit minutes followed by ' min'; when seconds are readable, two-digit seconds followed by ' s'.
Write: 6 h 39 min
